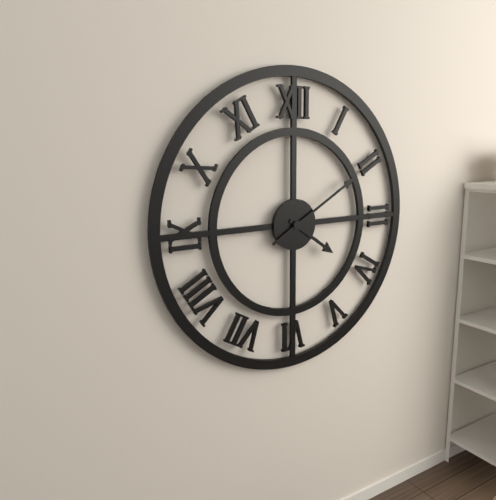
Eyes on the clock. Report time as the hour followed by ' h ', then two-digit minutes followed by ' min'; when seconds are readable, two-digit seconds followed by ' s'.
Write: 4 h 10 min
